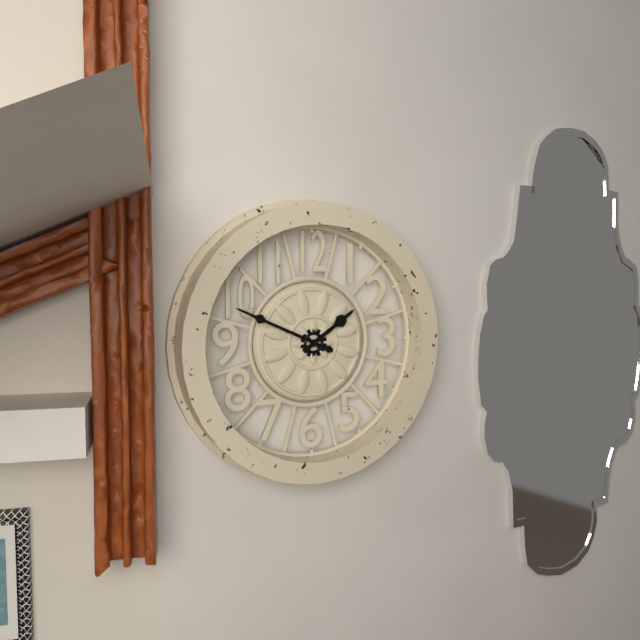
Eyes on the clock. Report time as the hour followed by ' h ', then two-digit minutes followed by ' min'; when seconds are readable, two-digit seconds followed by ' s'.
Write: 1 h 49 min
